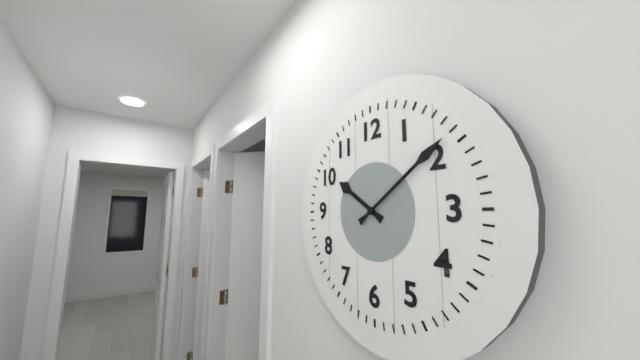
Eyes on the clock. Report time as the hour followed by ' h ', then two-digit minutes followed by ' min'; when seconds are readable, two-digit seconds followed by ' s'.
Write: 10 h 09 min
